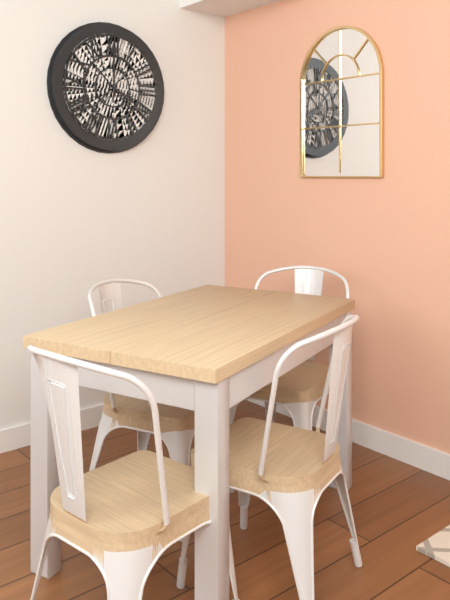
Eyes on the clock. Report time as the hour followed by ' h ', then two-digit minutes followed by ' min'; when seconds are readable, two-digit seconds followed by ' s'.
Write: 4 h 00 min
